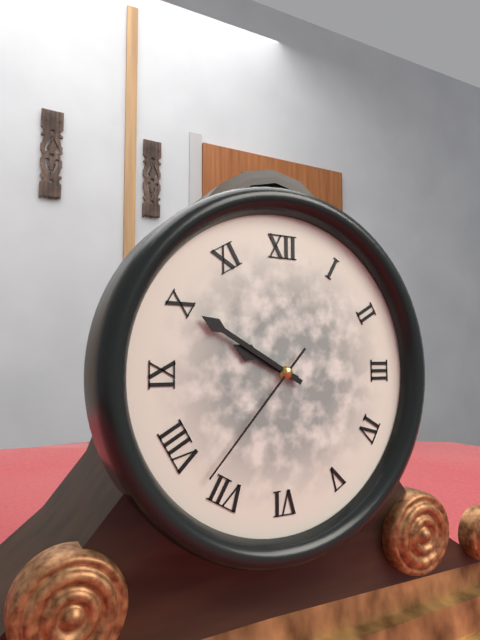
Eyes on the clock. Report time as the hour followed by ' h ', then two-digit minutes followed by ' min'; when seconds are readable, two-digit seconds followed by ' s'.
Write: 9 h 50 min 37 s
